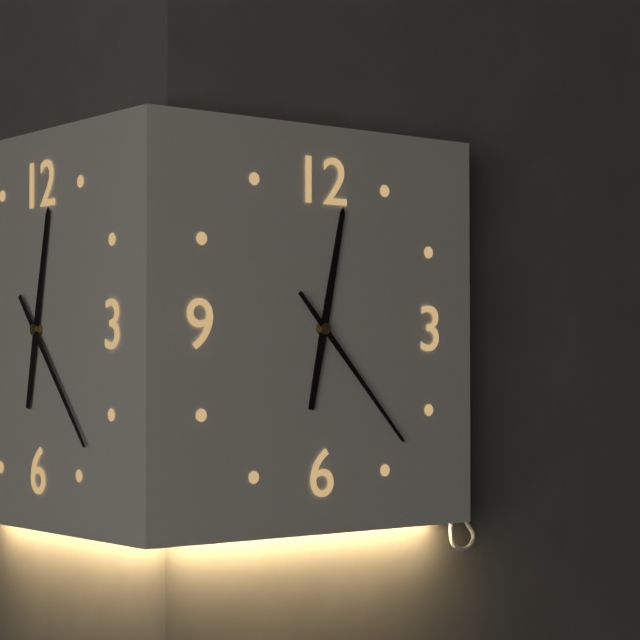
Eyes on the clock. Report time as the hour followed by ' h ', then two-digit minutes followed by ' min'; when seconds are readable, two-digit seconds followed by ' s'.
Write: 12 h 23 min
